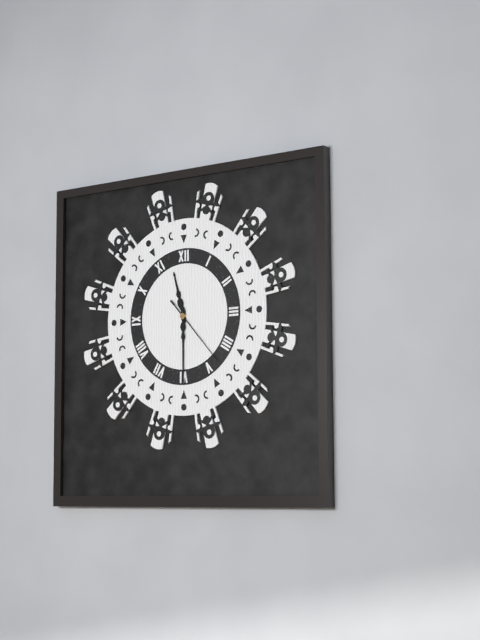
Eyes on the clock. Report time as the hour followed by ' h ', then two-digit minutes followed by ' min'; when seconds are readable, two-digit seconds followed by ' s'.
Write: 11 h 30 min 23 s
